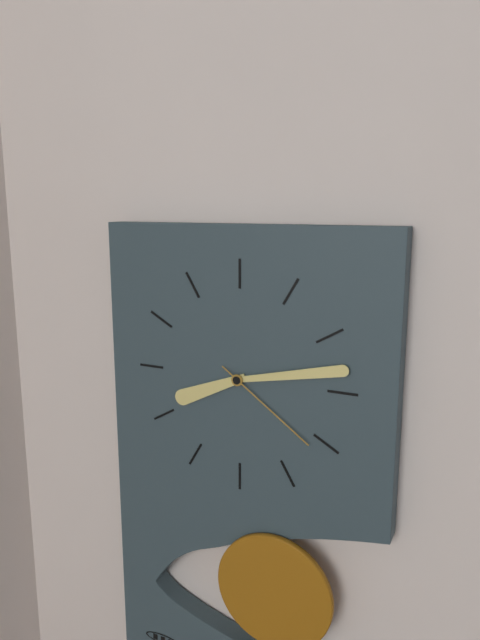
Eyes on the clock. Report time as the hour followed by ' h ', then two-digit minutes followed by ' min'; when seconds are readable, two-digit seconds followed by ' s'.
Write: 8 h 13 min 21 s
